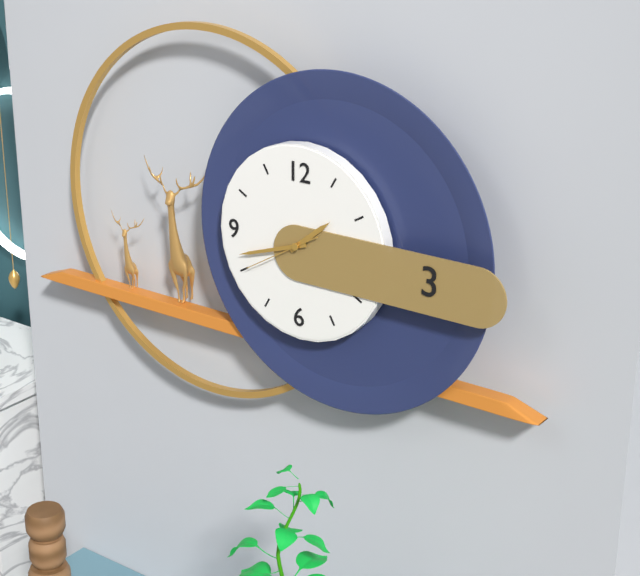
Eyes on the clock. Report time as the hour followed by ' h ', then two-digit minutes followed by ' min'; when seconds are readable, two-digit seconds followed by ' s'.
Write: 1 h 42 min 40 s
